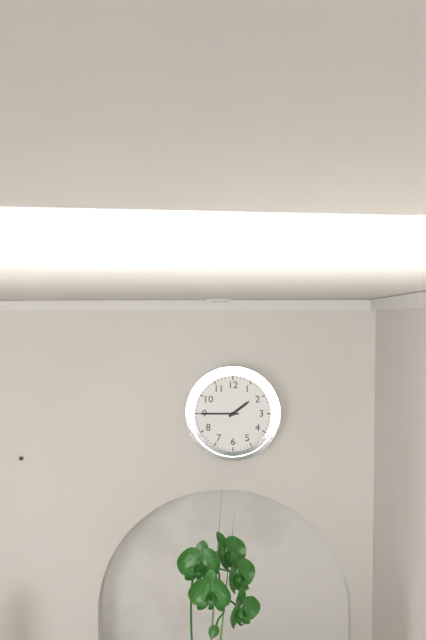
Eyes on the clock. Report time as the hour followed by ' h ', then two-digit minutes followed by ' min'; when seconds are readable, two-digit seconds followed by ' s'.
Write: 1 h 45 min
